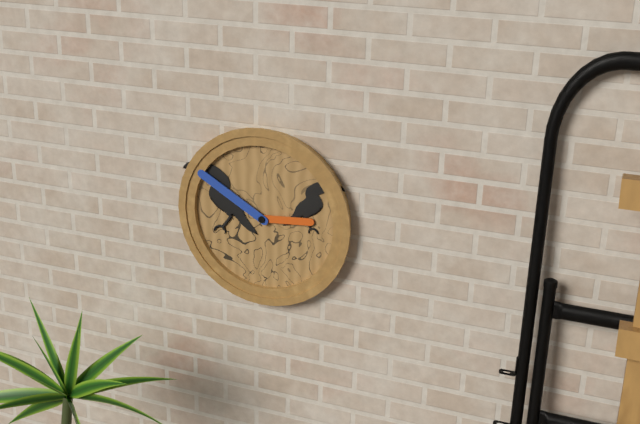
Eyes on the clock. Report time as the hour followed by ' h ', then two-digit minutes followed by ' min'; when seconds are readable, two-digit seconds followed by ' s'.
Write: 2 h 50 min
